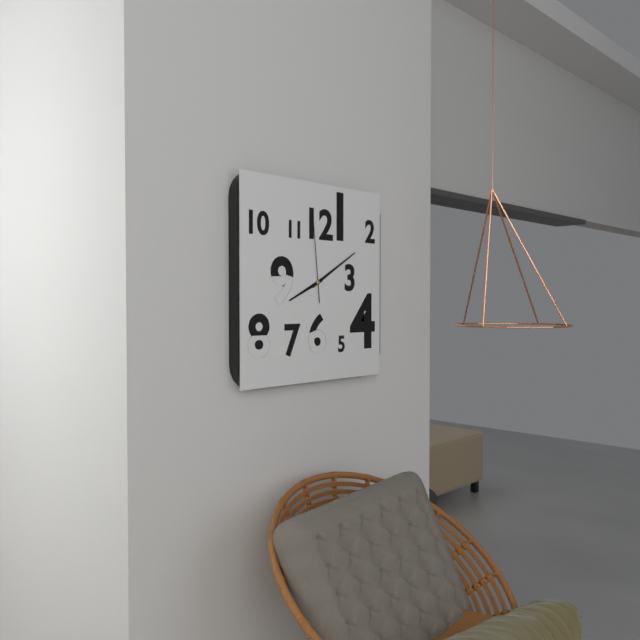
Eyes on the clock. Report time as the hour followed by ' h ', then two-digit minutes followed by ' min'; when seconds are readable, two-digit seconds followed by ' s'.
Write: 8 h 10 min 59 s
